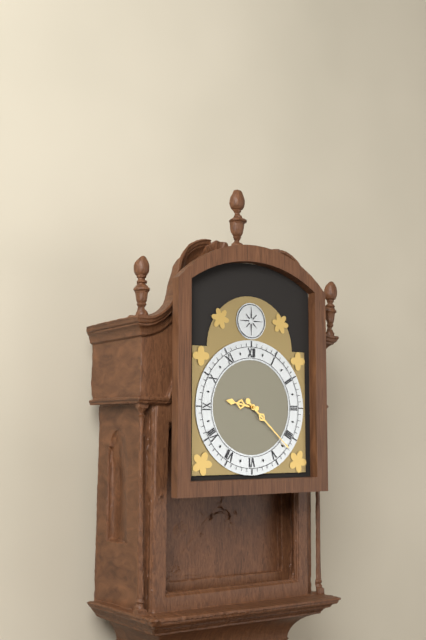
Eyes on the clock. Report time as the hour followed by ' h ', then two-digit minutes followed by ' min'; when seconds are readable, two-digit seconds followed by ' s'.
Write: 9 h 22 min
